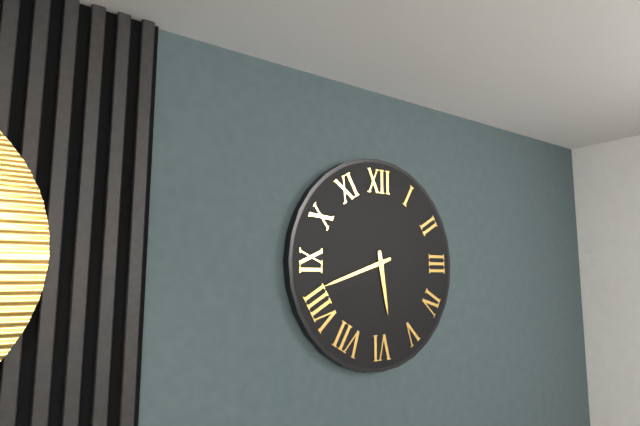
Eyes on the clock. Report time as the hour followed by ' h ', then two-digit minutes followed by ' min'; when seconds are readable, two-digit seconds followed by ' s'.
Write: 5 h 42 min
